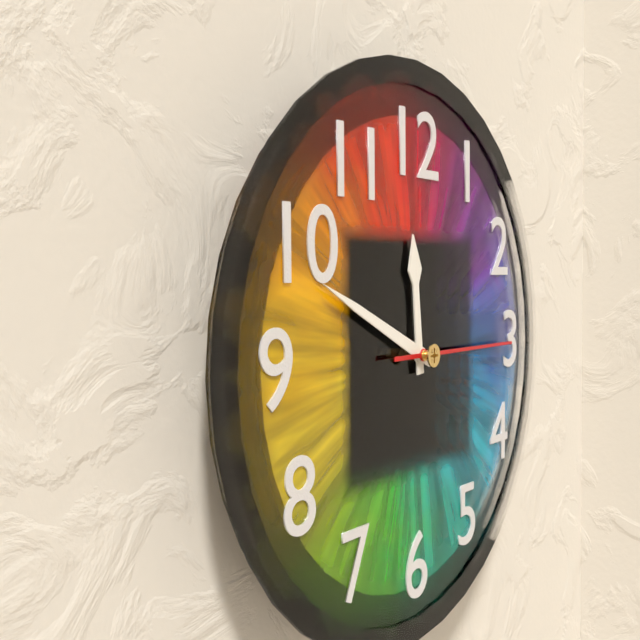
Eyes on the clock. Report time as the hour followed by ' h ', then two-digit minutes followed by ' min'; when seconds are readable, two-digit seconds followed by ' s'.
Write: 11 h 49 min 15 s
